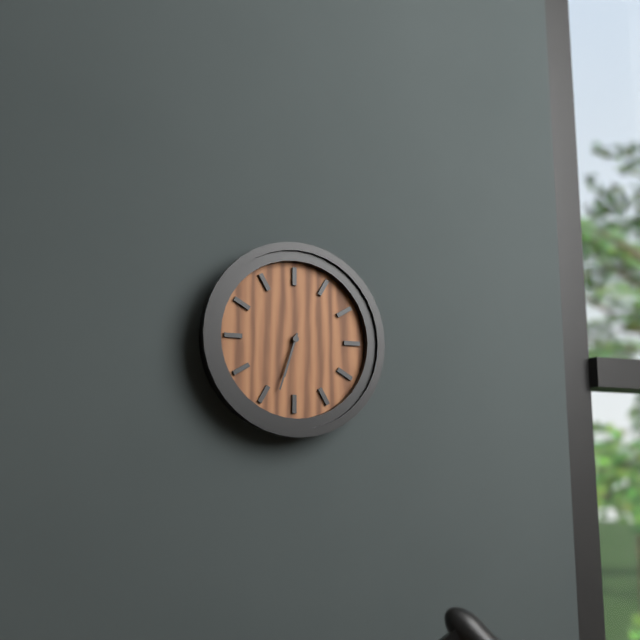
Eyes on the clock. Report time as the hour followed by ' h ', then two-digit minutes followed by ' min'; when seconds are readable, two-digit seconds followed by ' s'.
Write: 6 h 33 min
